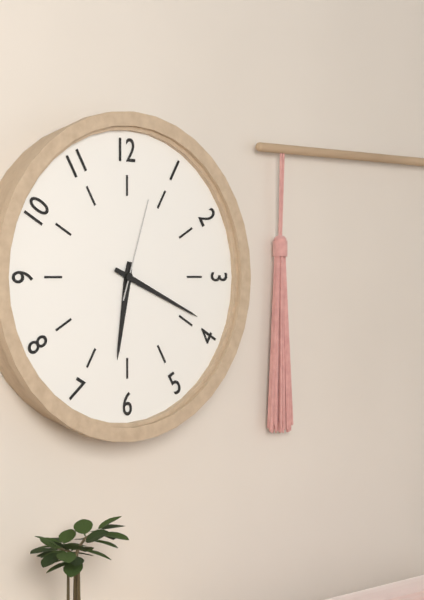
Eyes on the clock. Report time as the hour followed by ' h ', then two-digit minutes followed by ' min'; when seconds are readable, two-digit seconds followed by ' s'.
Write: 6 h 19 min 03 s
